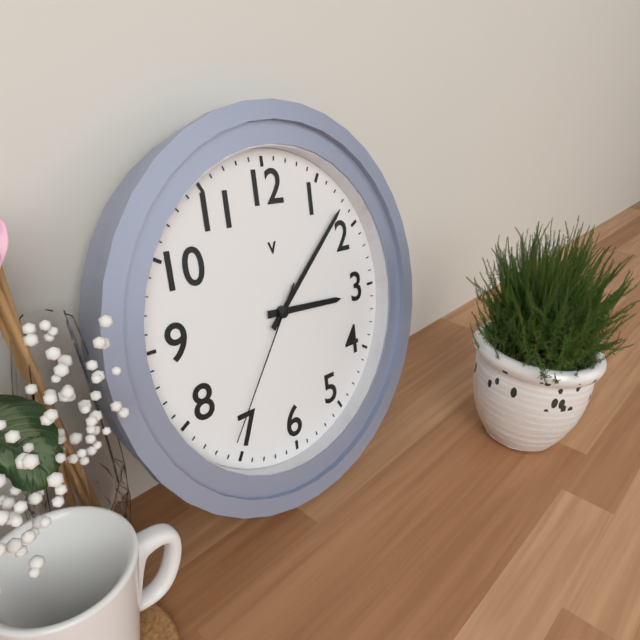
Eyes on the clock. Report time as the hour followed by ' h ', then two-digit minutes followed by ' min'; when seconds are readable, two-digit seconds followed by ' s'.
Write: 3 h 08 min 36 s
